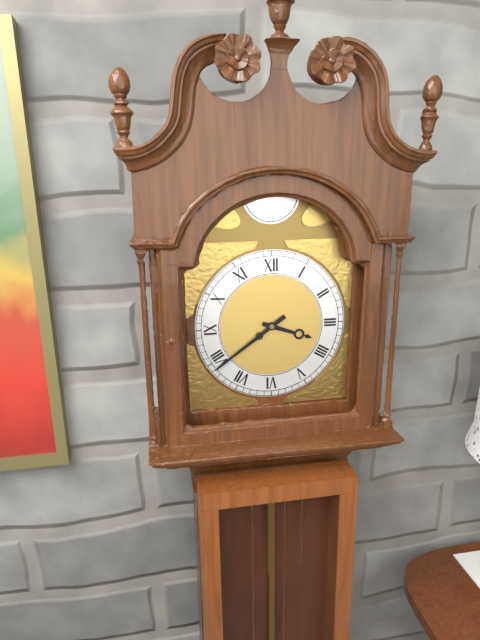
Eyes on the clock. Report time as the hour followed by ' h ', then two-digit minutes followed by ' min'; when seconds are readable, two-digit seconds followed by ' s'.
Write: 3 h 39 min
